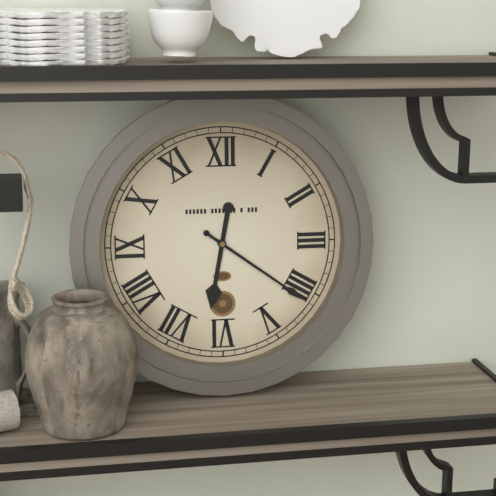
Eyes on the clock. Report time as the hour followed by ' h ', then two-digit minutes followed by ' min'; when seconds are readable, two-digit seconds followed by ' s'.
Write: 6 h 21 min
